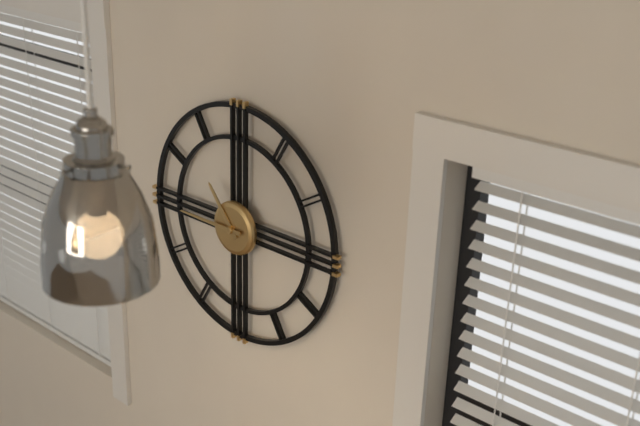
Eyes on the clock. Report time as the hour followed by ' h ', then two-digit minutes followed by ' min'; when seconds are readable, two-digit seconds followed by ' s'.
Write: 10 h 45 min
